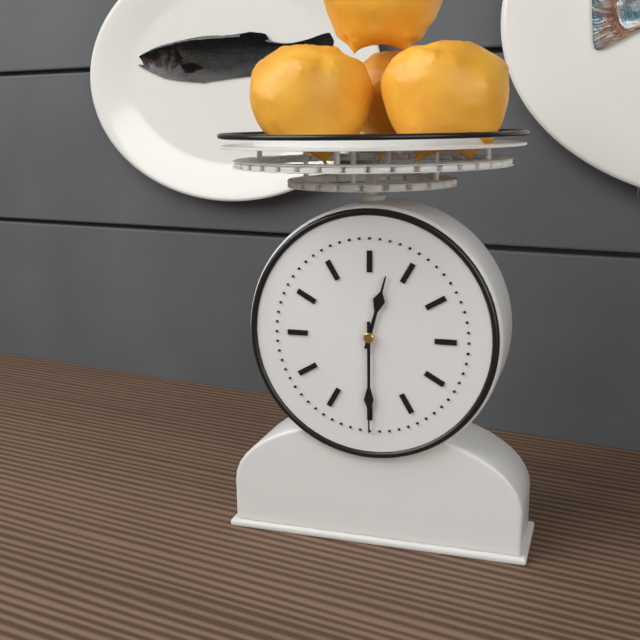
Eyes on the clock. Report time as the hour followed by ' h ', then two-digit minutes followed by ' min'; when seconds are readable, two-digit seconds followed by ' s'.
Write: 12 h 30 min
